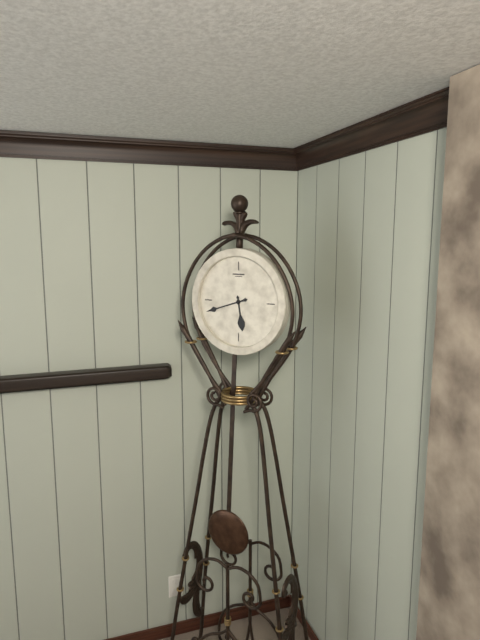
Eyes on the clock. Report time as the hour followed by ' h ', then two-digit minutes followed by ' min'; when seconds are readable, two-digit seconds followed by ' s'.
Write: 5 h 42 min
